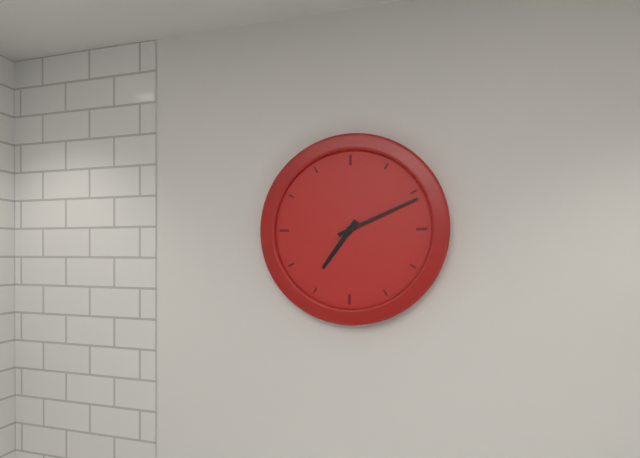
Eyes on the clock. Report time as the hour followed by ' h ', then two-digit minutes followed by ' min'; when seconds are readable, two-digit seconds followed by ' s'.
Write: 7 h 11 min
